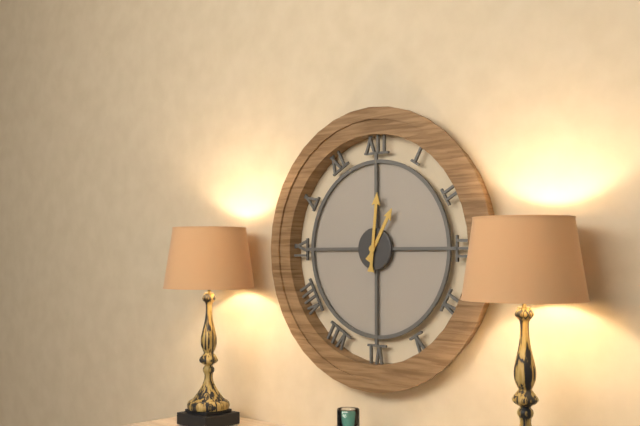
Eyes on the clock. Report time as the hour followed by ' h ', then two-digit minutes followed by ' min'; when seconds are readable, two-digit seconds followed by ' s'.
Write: 1 h 01 min
